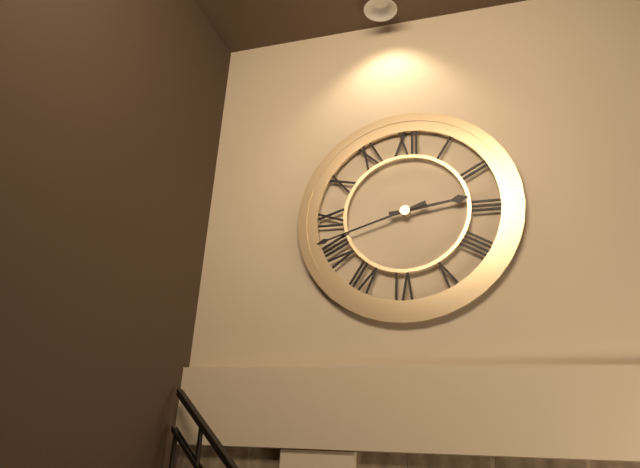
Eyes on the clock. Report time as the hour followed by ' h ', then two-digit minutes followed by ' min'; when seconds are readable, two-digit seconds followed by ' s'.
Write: 2 h 42 min
